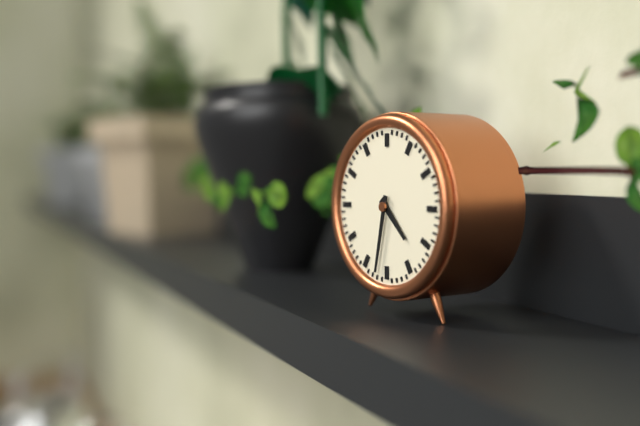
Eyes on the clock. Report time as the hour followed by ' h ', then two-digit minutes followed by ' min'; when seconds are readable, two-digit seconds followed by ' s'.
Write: 4 h 32 min
